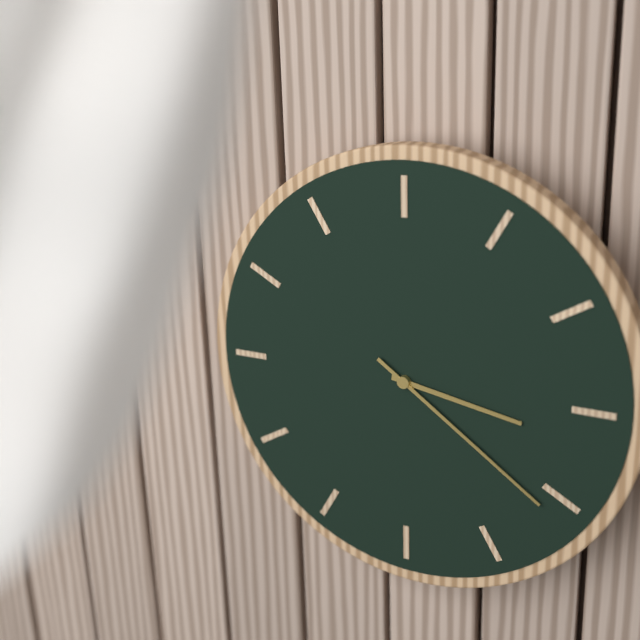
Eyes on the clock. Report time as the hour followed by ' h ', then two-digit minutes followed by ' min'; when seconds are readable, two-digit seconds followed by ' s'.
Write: 3 h 21 min
